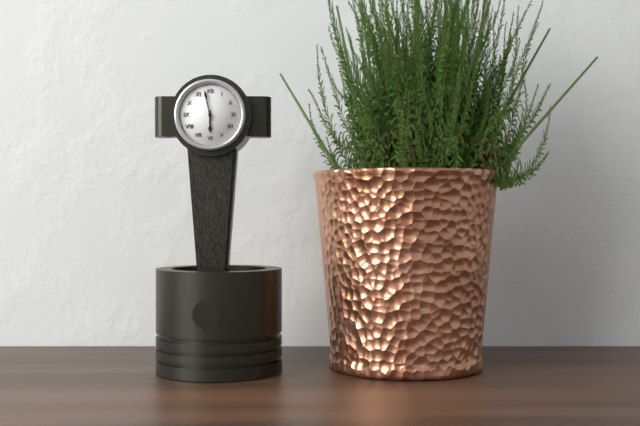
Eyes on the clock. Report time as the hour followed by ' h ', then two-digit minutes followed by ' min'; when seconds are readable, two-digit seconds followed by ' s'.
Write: 5 h 58 min
